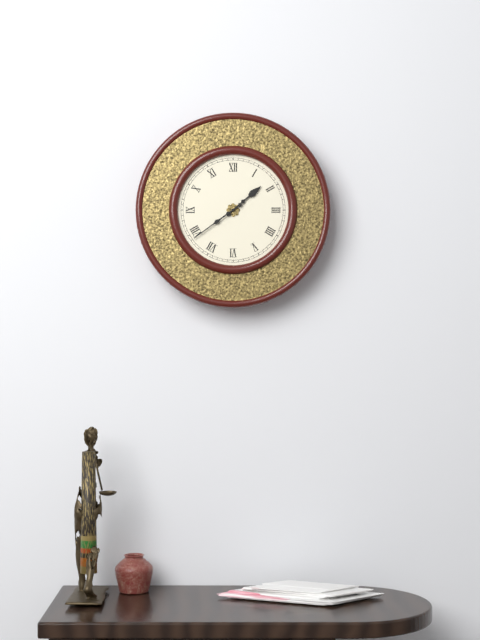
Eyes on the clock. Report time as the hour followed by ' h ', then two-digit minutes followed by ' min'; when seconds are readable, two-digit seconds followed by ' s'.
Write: 1 h 39 min
